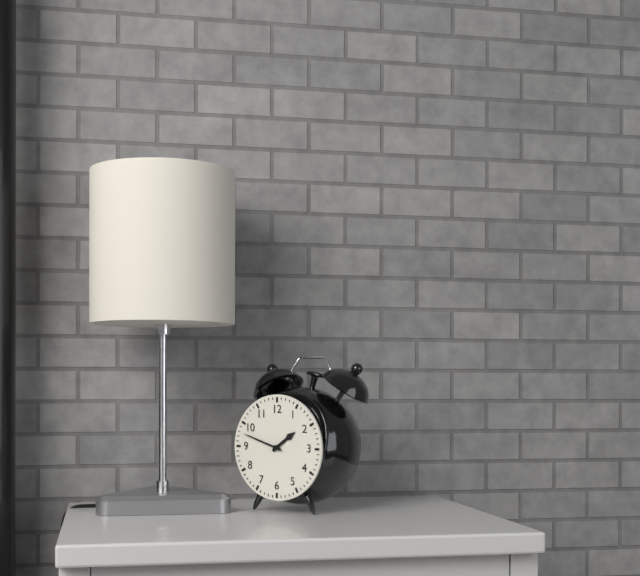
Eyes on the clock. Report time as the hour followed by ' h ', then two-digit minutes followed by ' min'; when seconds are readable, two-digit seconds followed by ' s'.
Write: 1 h 48 min
